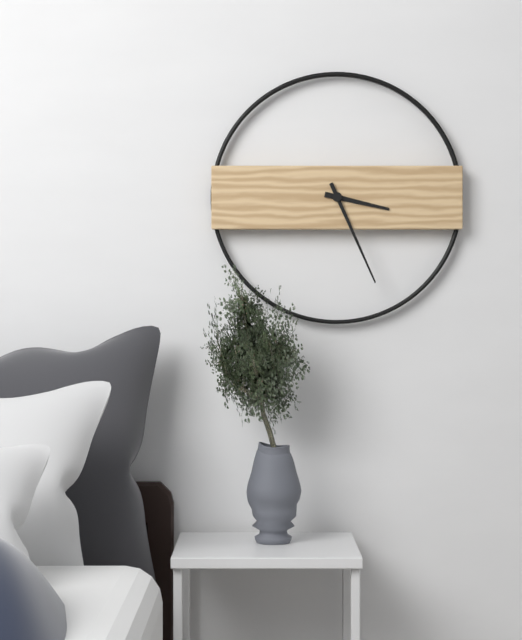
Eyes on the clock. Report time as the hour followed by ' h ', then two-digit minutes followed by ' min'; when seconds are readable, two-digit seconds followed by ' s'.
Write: 3 h 26 min
